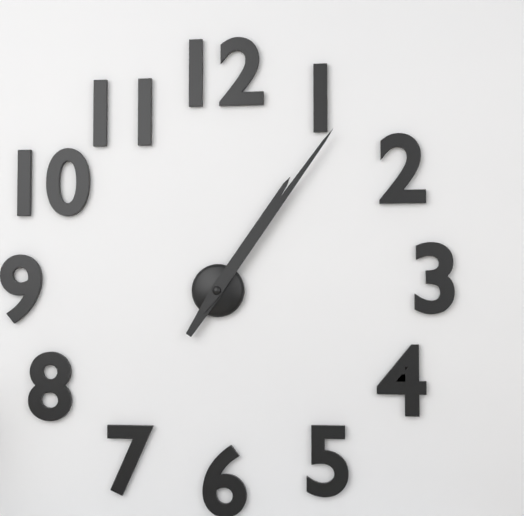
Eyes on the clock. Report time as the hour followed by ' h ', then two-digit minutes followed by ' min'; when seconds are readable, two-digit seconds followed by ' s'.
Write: 1 h 06 min
